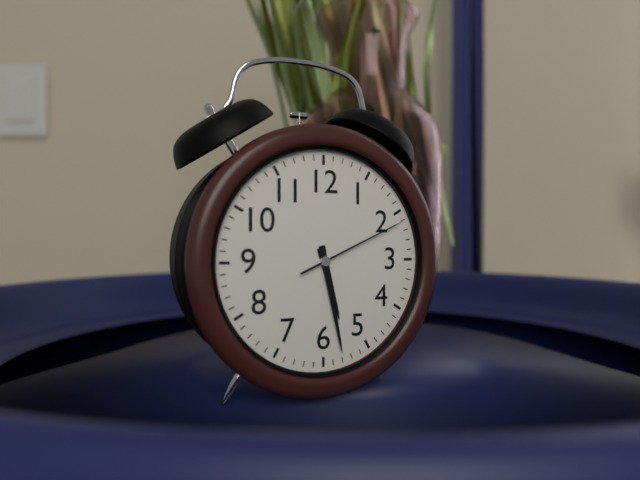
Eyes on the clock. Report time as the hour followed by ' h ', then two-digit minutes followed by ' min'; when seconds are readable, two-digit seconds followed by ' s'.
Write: 5 h 28 min 11 s
